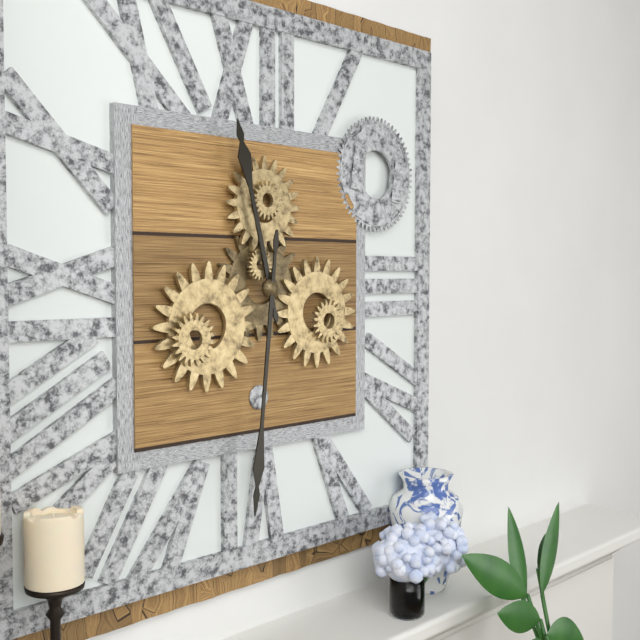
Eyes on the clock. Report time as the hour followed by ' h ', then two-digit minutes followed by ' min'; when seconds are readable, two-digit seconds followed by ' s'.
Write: 11 h 31 min
